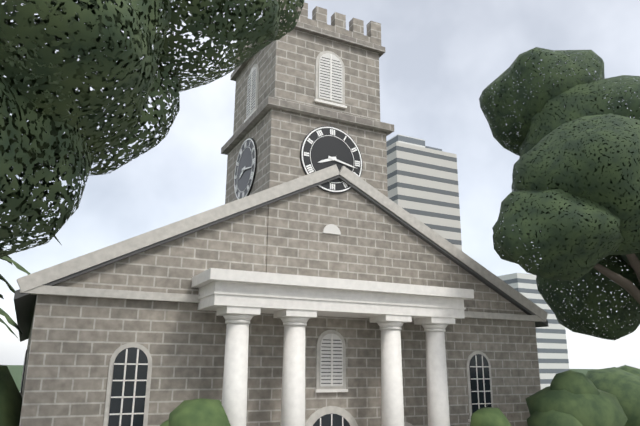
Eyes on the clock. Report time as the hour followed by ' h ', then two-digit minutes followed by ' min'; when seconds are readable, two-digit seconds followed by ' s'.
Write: 8 h 17 min
